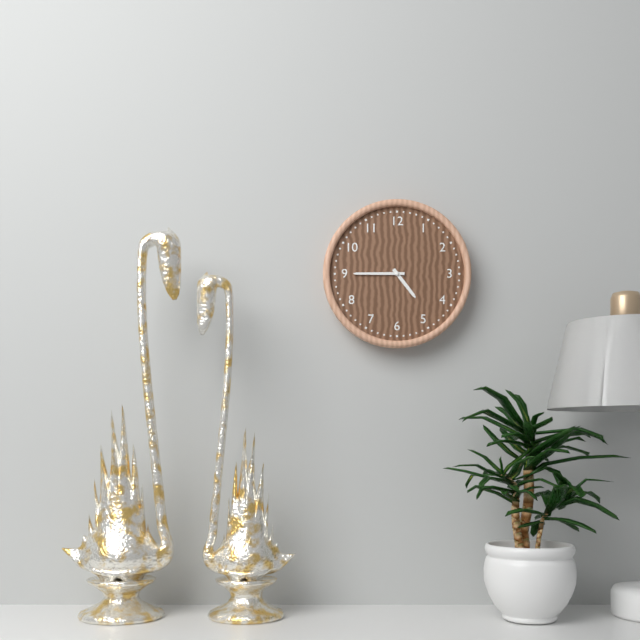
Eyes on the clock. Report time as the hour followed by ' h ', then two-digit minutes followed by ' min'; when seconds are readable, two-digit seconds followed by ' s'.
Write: 4 h 45 min
